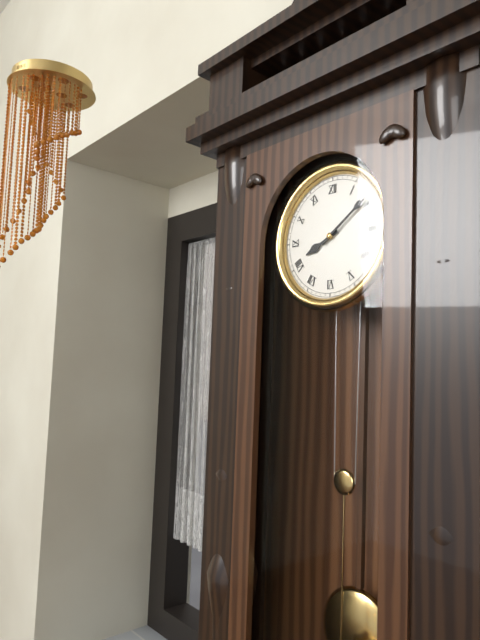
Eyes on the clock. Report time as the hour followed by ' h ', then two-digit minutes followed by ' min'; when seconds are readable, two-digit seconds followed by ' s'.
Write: 8 h 09 min
